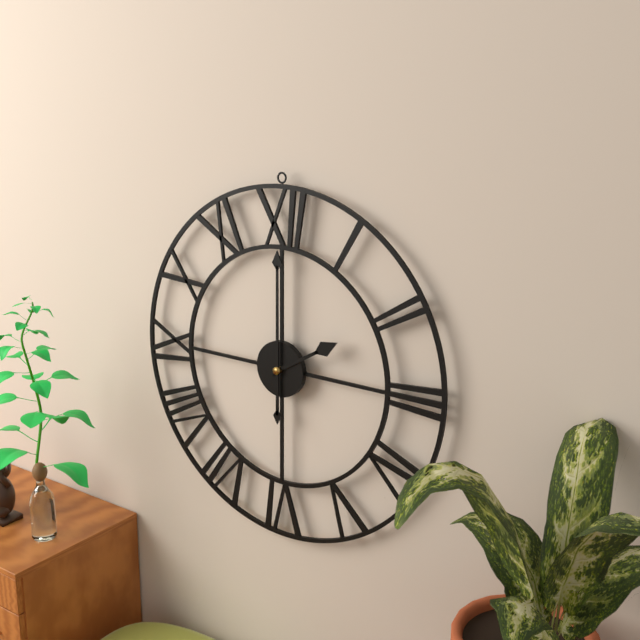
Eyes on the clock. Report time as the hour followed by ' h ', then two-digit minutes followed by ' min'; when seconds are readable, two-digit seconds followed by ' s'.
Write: 2 h 00 min
